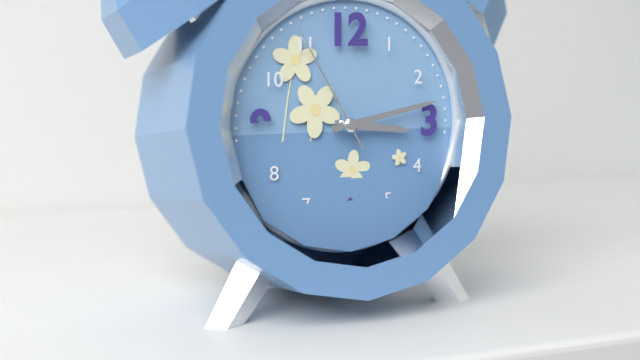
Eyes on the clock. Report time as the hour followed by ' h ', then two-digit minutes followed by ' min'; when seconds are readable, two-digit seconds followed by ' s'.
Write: 3 h 13 min 55 s
